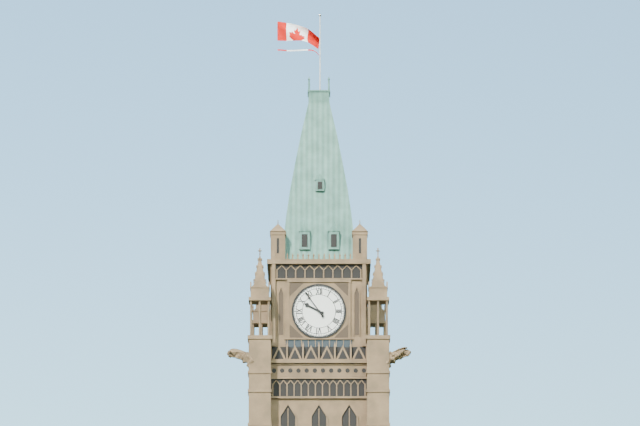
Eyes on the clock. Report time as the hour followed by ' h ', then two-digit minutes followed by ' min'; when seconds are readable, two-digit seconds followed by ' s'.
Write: 9 h 54 min
